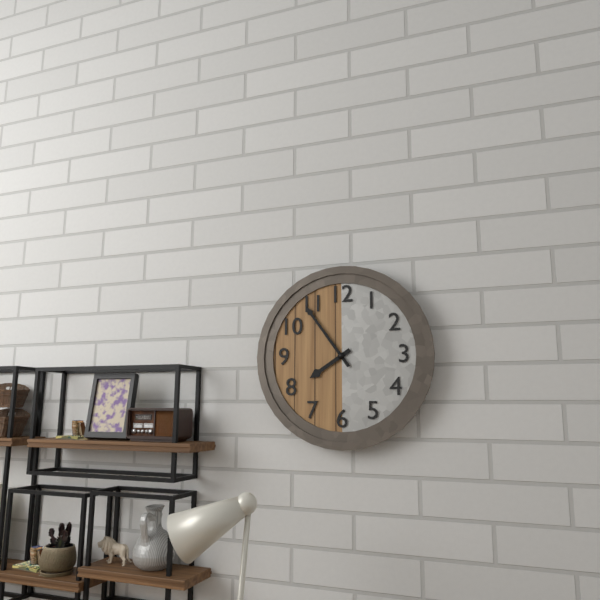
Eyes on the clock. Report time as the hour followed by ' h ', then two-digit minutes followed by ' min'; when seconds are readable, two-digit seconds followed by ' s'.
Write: 7 h 54 min
